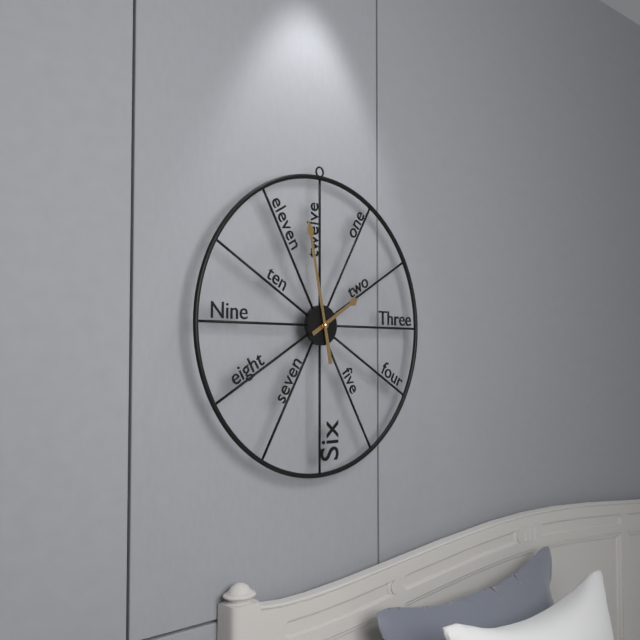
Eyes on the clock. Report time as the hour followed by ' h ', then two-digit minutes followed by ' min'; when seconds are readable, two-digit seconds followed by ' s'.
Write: 1 h 58 min
